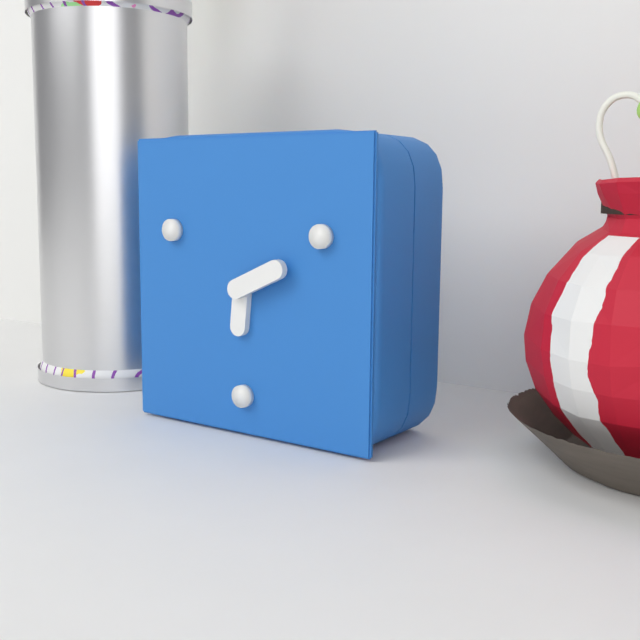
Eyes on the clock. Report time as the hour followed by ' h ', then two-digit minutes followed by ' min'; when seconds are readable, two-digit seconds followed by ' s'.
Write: 6 h 11 min
